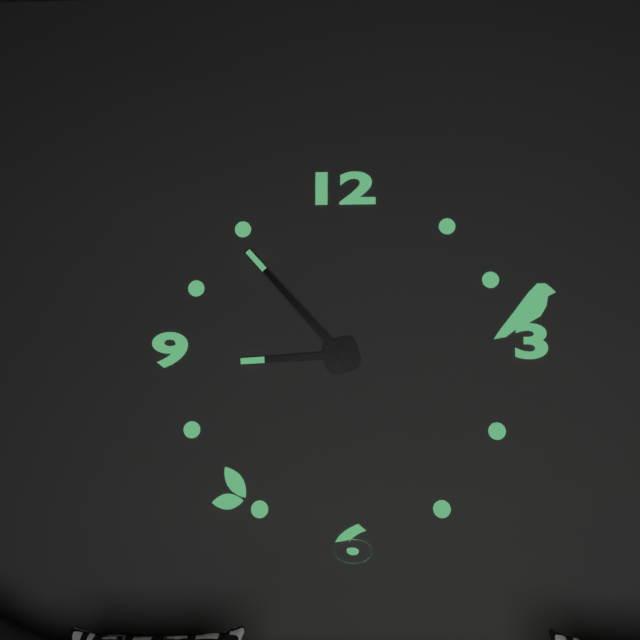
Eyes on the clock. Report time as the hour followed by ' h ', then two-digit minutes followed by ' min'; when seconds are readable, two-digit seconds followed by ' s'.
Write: 8 h 53 min
